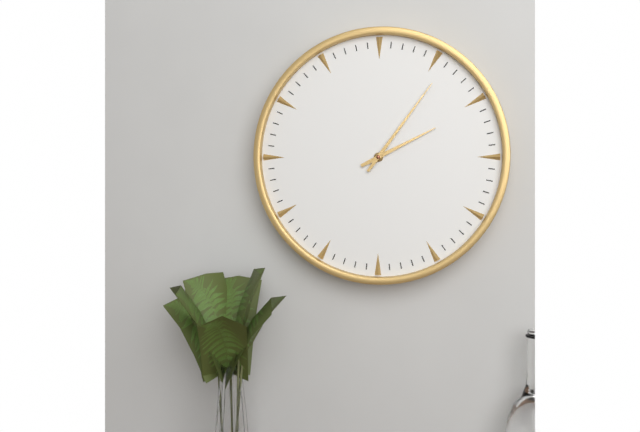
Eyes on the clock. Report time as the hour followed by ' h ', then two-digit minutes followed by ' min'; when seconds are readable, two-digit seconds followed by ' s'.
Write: 2 h 06 min
